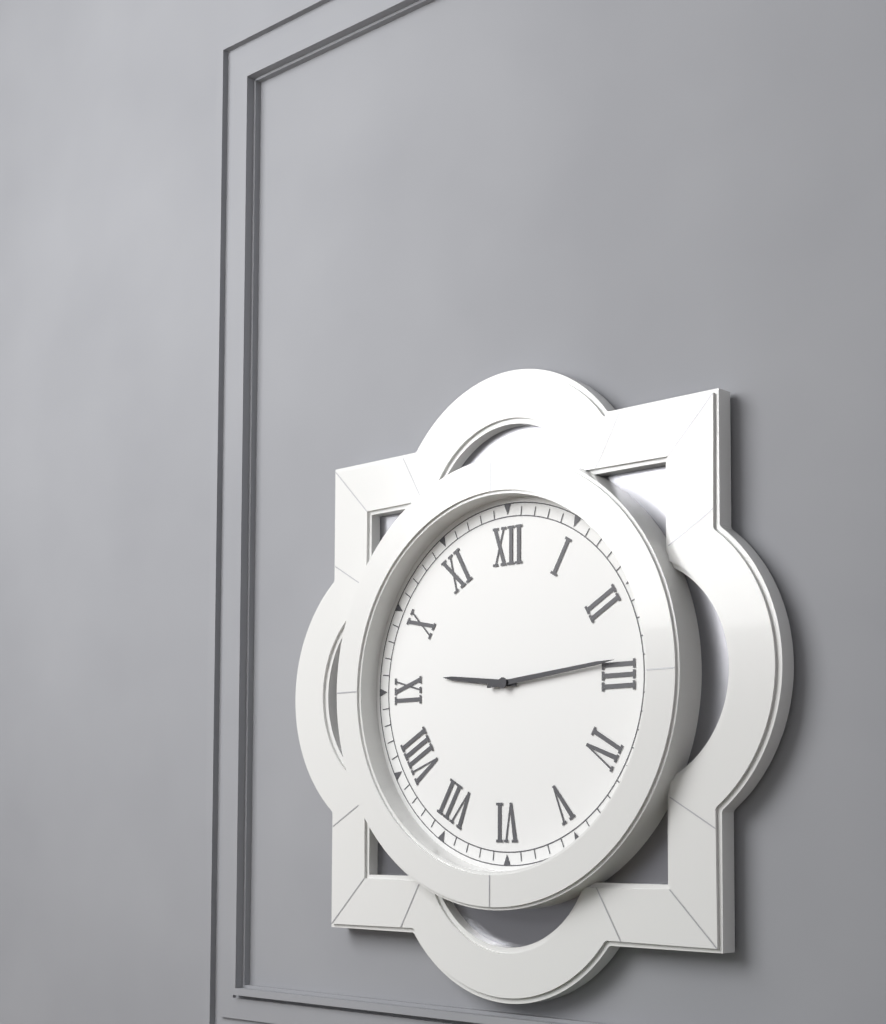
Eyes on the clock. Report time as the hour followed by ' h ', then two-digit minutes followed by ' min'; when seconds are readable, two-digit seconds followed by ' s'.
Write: 9 h 14 min
